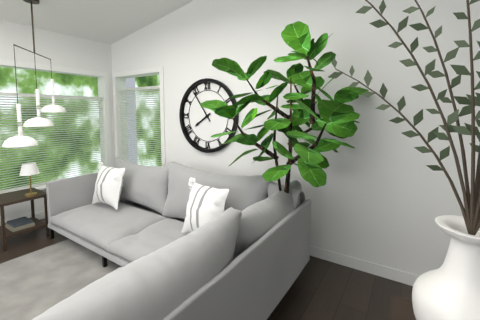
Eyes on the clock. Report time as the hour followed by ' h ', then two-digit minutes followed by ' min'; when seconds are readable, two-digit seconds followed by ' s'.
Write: 7 h 54 min
